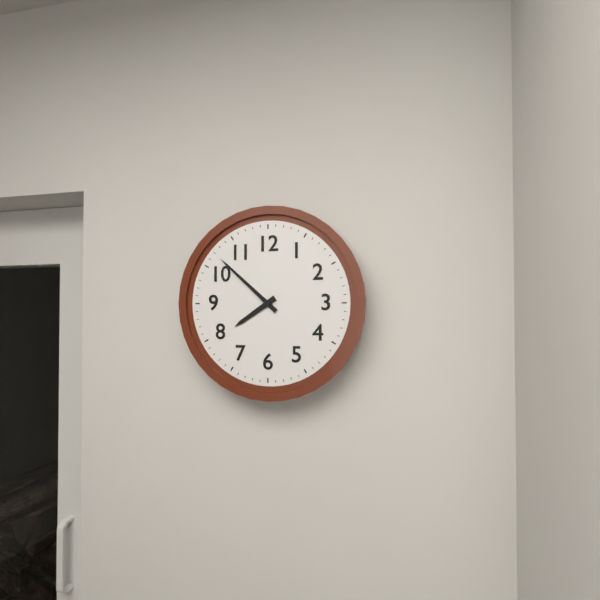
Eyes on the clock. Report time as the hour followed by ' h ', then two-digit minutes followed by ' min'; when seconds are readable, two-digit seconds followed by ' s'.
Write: 7 h 52 min
